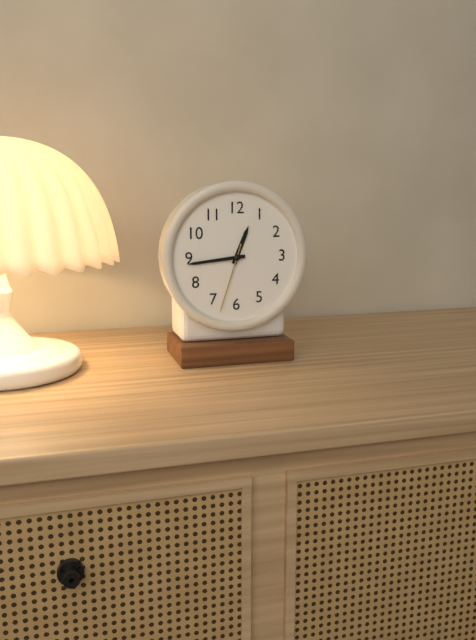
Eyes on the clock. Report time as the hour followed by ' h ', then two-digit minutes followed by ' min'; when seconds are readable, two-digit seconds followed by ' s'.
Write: 12 h 44 min 33 s
